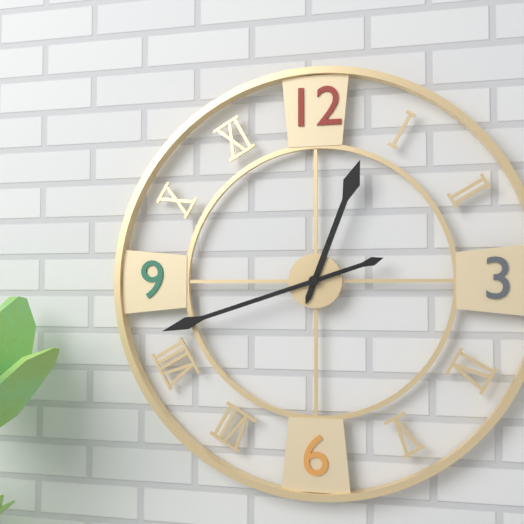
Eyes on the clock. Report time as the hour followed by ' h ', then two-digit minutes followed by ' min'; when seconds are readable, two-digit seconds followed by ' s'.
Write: 12 h 42 min
